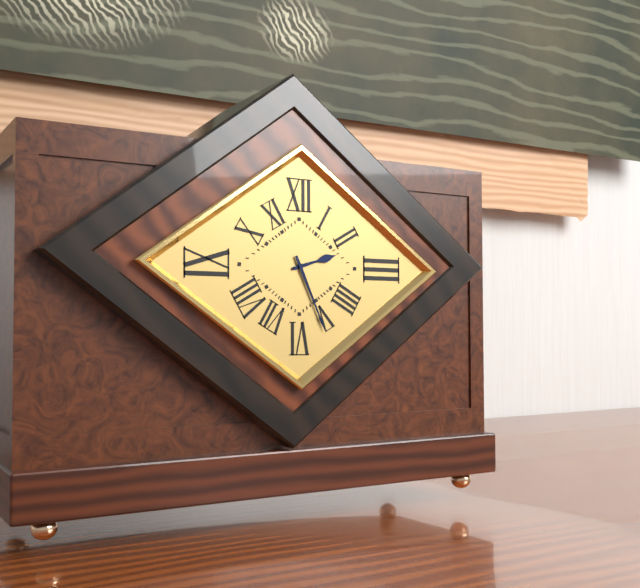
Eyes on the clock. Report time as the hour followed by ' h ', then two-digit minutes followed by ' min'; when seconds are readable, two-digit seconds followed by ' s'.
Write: 2 h 26 min
